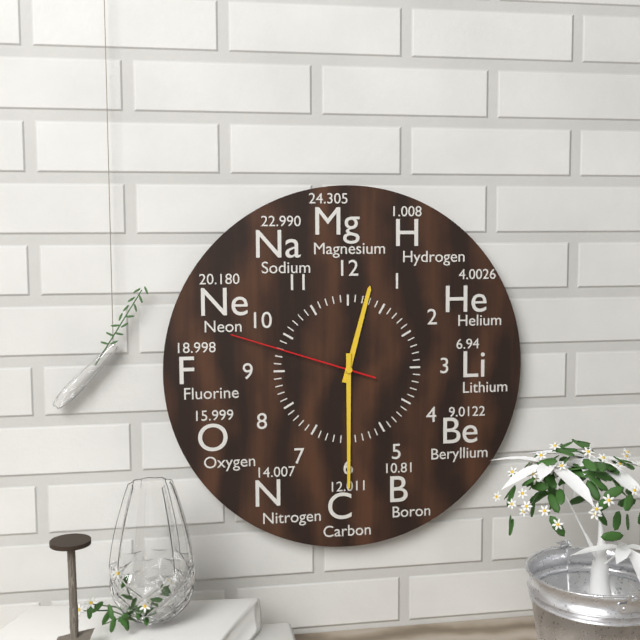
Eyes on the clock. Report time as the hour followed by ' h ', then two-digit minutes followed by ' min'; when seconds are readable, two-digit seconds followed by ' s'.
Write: 12 h 30 min 48 s
